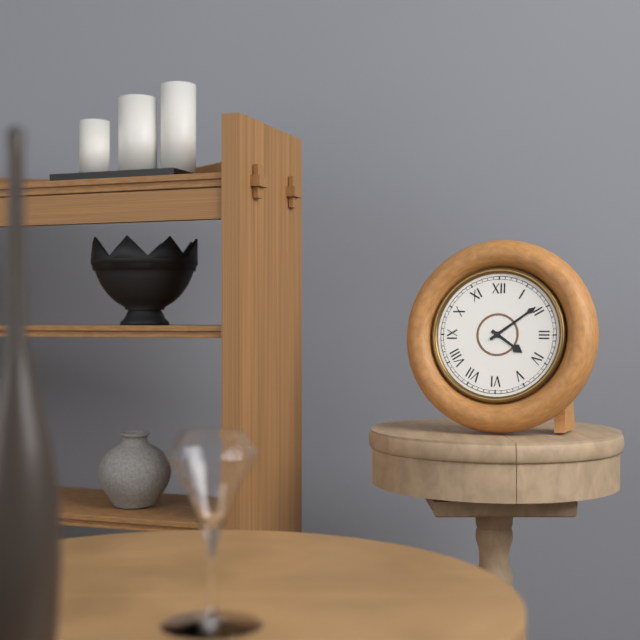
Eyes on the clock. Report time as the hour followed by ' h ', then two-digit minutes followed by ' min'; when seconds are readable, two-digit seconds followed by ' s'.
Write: 4 h 09 min
